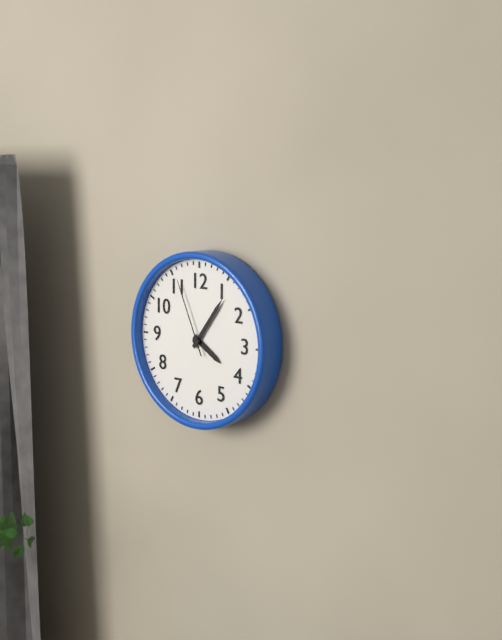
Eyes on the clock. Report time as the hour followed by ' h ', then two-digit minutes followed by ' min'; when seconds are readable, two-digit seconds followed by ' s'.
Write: 4 h 06 min 56 s
